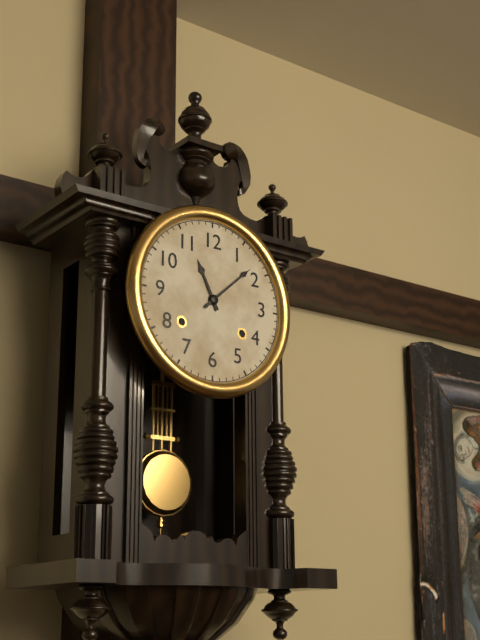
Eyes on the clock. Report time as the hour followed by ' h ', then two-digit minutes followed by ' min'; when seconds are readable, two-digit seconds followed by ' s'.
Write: 11 h 08 min
